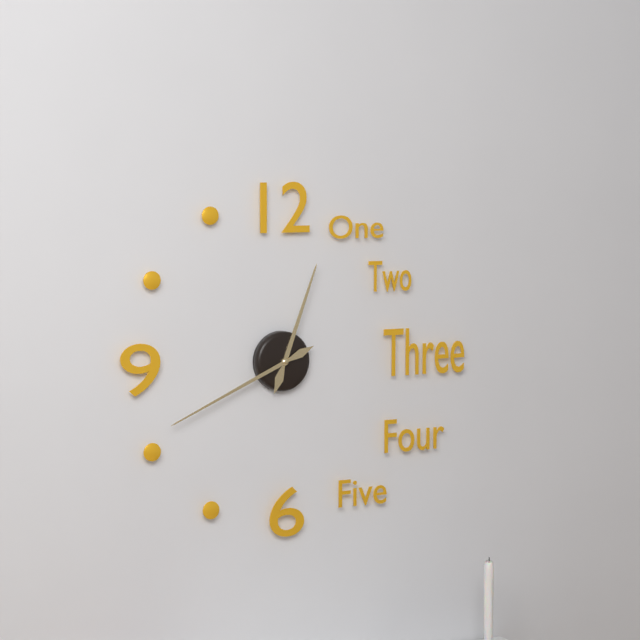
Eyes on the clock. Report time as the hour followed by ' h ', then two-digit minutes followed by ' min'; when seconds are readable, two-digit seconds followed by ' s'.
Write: 12 h 41 min
